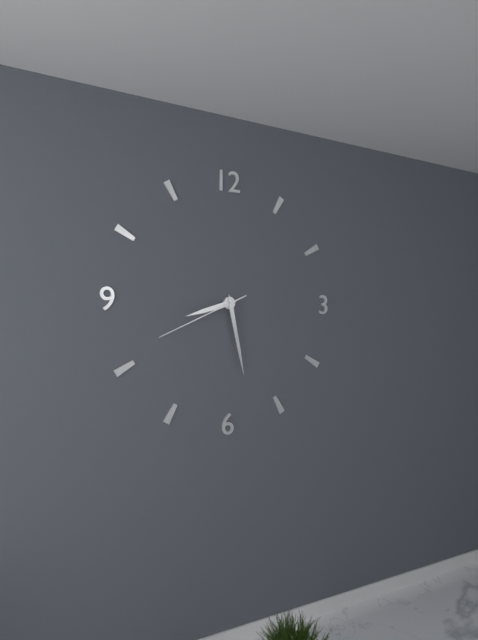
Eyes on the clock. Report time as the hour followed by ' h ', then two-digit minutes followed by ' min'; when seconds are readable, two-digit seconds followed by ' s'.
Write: 8 h 28 min 41 s
